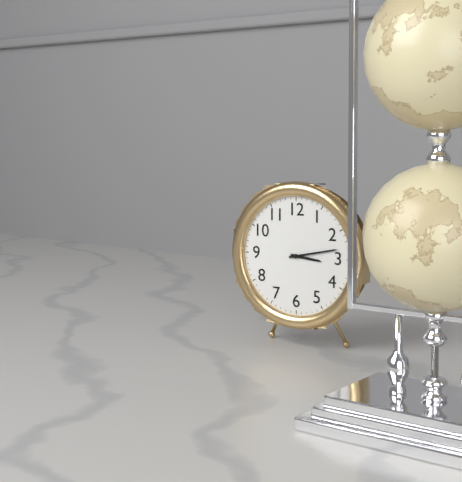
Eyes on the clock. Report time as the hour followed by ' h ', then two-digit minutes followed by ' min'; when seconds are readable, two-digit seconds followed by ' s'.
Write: 3 h 13 min
